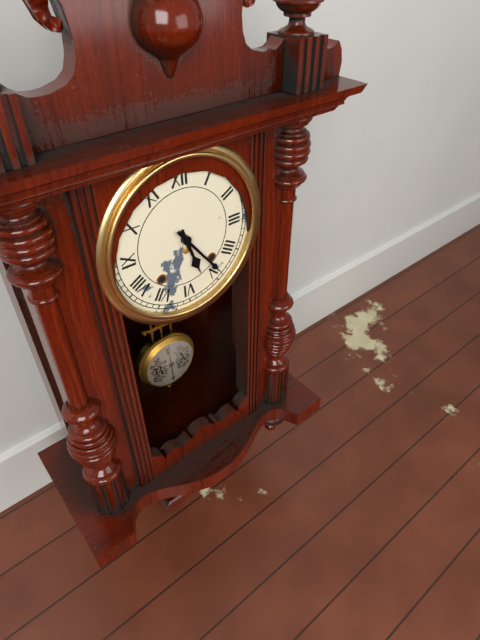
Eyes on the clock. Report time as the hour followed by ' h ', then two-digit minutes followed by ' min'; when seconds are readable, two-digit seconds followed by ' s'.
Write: 5 h 24 min
